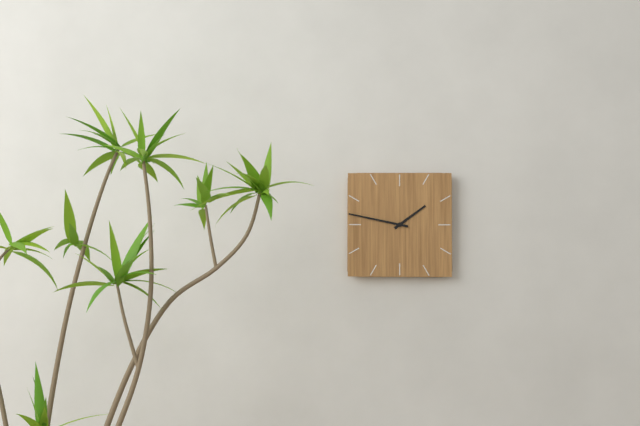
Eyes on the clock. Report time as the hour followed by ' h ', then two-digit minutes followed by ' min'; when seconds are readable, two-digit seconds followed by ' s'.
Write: 1 h 47 min
